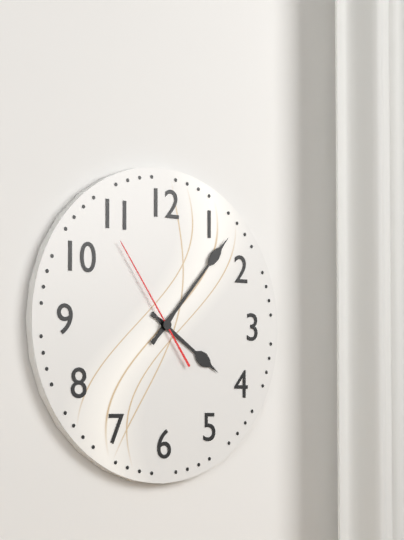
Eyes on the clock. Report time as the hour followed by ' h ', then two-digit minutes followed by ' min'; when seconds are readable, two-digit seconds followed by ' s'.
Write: 4 h 07 min 54 s
